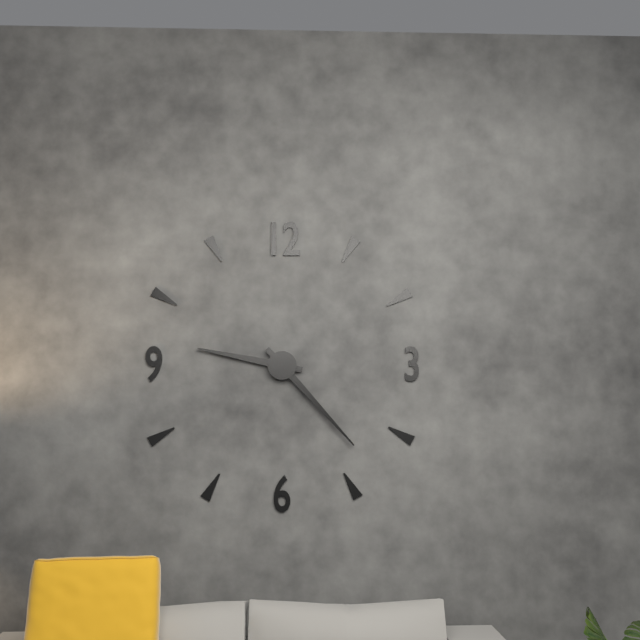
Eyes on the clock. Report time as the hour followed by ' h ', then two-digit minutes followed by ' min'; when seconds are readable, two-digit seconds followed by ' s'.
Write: 9 h 23 min
